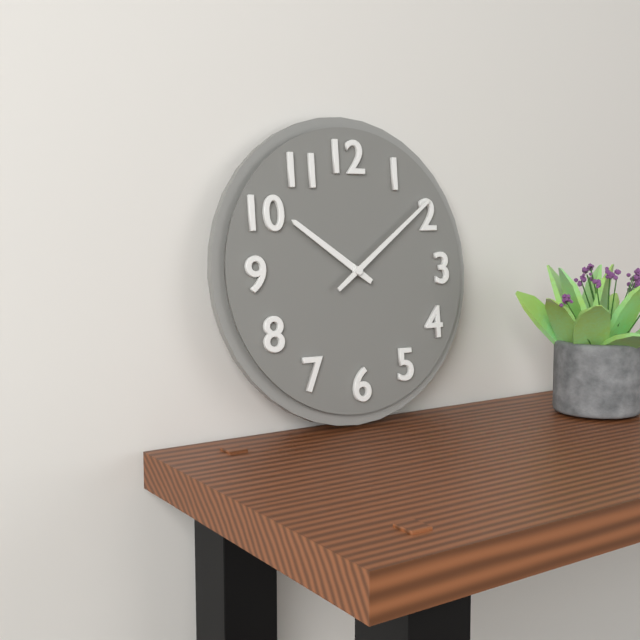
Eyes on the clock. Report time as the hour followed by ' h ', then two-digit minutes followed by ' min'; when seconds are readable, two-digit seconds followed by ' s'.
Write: 10 h 09 min
